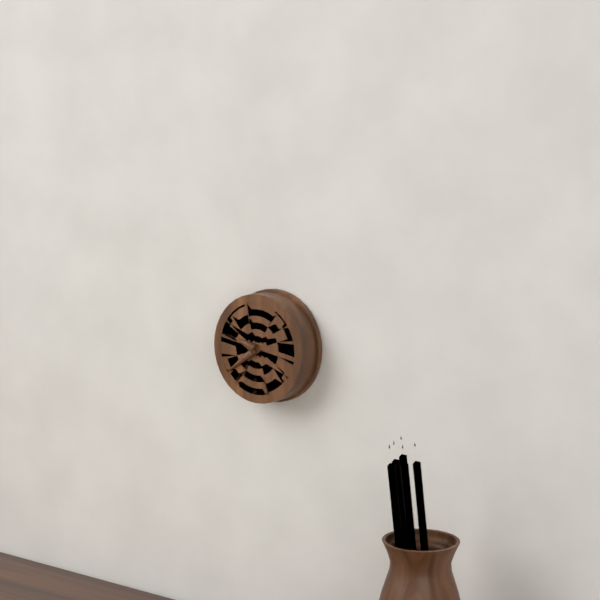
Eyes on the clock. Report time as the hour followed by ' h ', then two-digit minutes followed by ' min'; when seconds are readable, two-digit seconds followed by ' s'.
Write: 9 h 39 min
